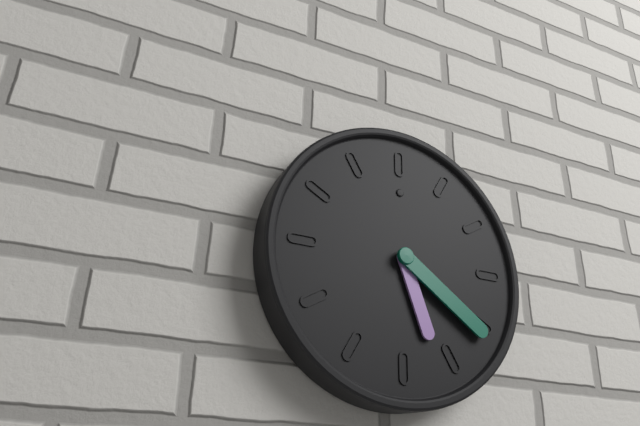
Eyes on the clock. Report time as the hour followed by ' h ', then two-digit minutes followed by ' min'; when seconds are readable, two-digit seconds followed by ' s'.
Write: 5 h 21 min
